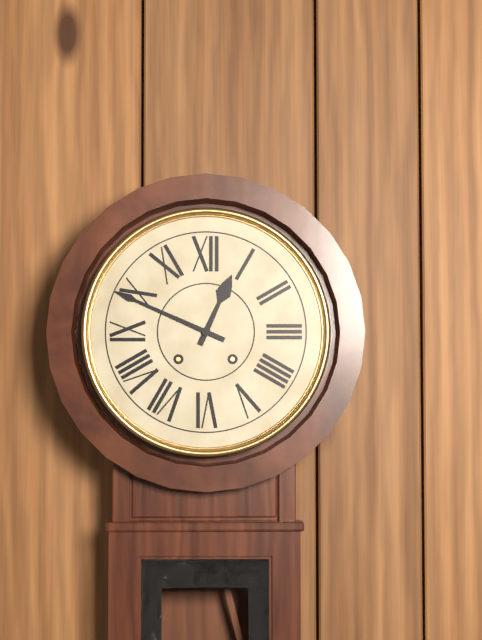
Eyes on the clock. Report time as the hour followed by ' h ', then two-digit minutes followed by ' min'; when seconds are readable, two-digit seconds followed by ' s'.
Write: 12 h 49 min
